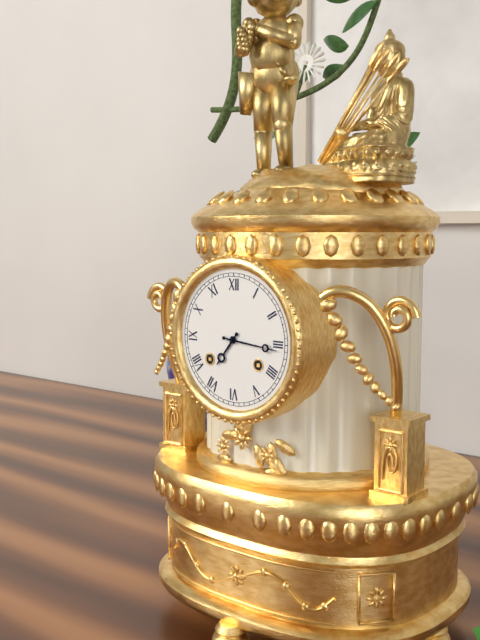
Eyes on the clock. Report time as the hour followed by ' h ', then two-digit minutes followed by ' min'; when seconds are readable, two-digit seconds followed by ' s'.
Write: 7 h 16 min
